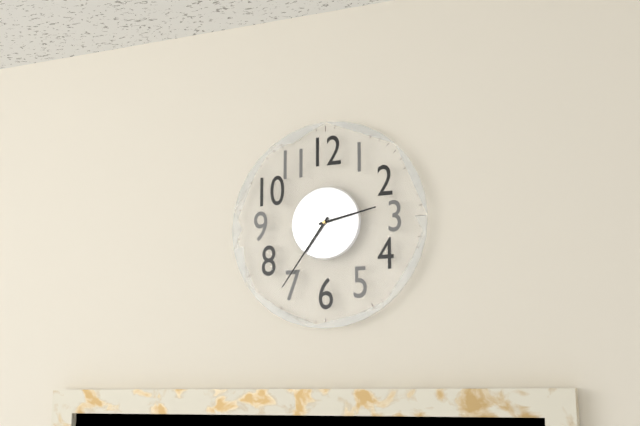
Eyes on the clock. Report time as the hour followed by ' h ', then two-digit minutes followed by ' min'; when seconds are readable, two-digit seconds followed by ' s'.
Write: 2 h 36 min
